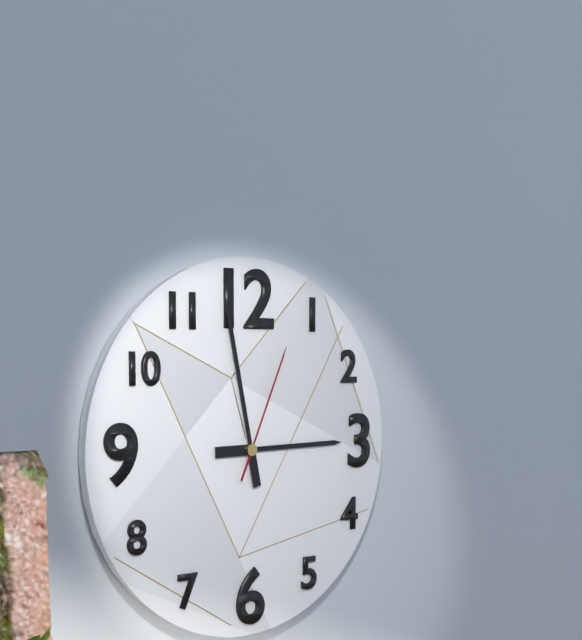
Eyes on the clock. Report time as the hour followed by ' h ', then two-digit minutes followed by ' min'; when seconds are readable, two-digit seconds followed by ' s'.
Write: 2 h 58 min 04 s
